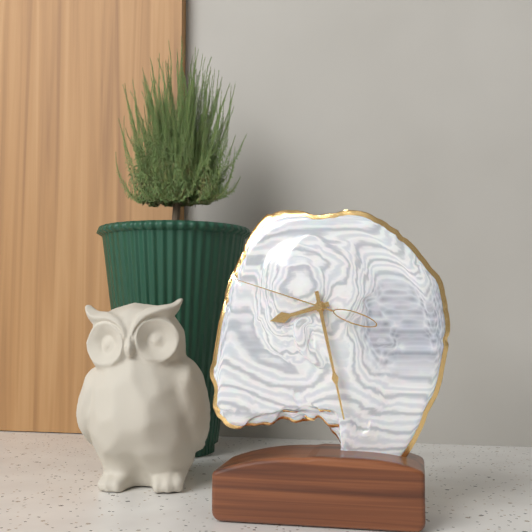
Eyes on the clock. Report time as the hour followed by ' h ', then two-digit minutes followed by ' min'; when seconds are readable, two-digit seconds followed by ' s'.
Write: 8 h 28 min 48 s
